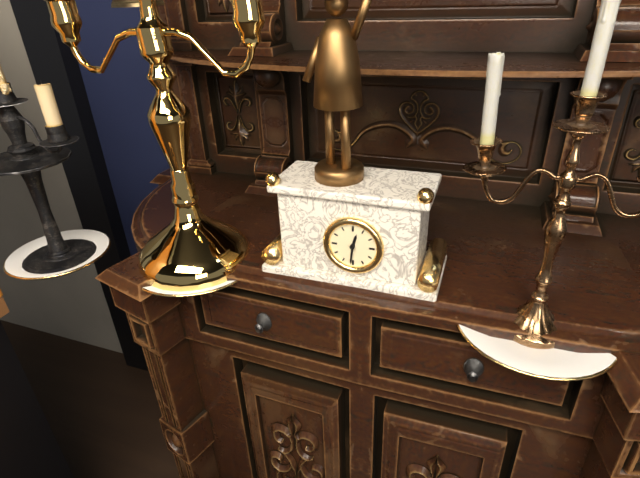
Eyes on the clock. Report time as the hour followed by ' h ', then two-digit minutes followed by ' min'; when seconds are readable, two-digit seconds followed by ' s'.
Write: 12 h 31 min
